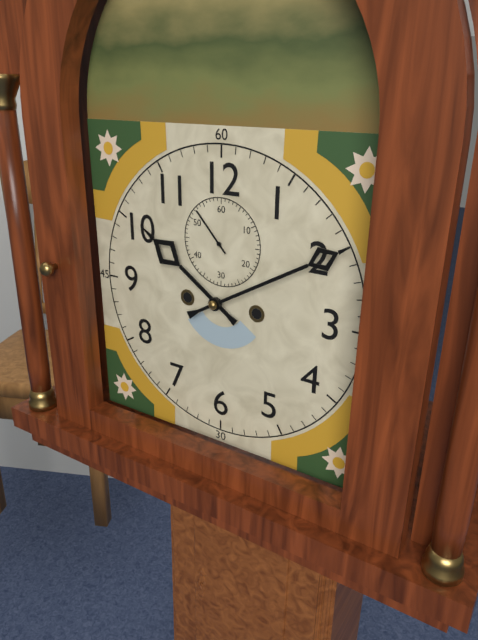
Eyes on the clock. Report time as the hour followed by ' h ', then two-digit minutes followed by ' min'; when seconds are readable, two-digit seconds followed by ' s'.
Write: 10 h 10 min 53 s
